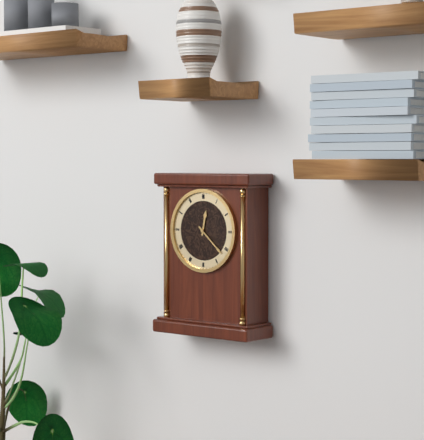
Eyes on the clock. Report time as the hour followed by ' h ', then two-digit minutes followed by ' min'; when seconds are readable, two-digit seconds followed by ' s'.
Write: 12 h 22 min
